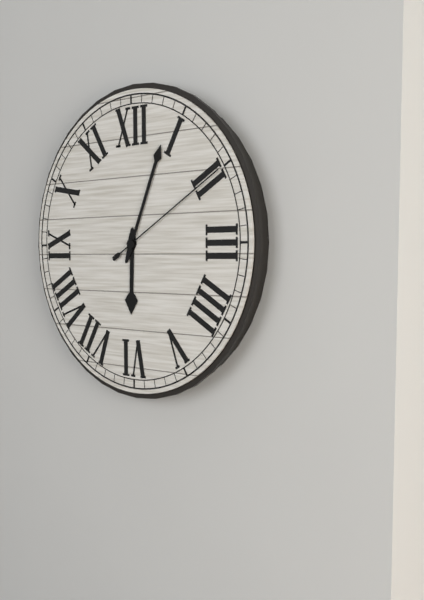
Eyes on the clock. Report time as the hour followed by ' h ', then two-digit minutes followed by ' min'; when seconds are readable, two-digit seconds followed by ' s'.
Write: 6 h 04 min 10 s
